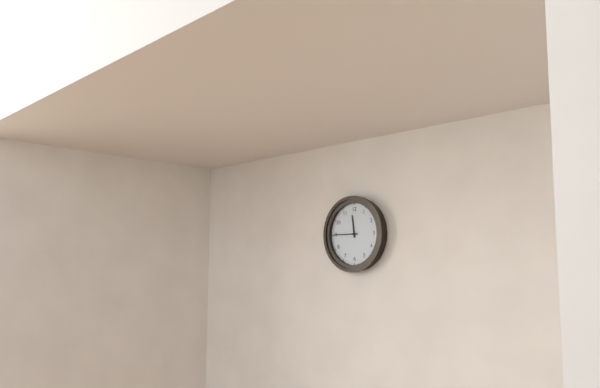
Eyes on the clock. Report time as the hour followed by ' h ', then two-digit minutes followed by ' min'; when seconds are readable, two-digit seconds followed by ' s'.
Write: 11 h 45 min
